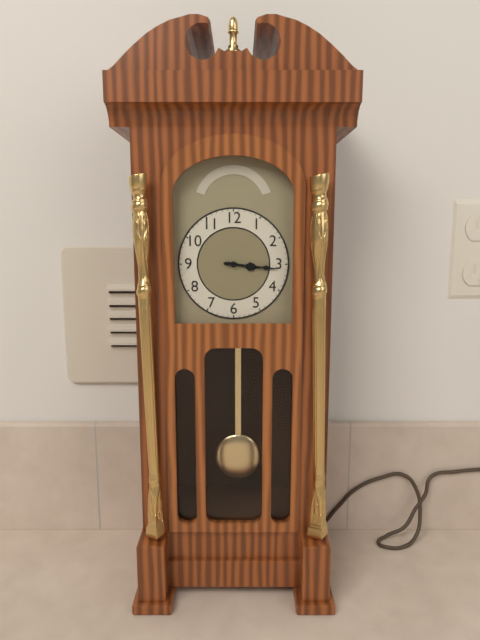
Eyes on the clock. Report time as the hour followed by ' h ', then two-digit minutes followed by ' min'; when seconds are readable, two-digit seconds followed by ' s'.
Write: 3 h 16 min
